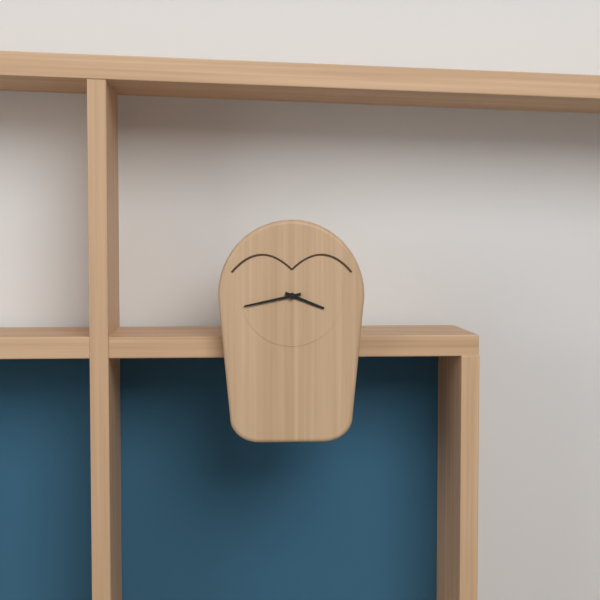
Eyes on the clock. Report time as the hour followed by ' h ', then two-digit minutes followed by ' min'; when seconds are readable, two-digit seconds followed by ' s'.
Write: 3 h 43 min
